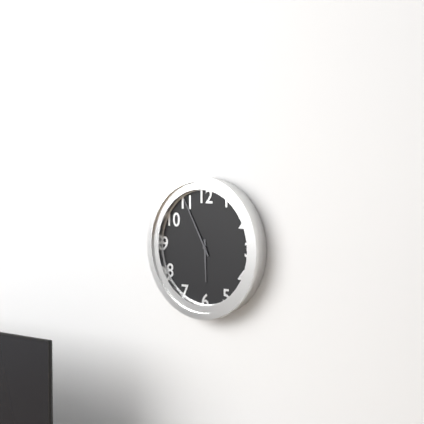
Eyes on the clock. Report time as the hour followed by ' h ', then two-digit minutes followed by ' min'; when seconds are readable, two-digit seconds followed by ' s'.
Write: 5 h 55 min
